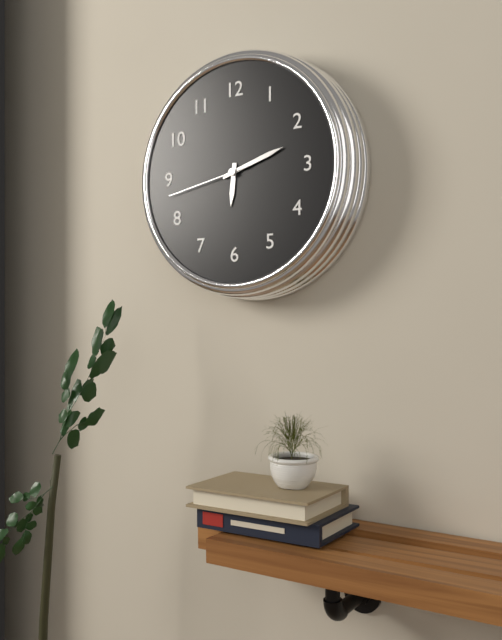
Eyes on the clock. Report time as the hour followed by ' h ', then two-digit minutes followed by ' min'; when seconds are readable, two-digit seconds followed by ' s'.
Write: 6 h 12 min 43 s
